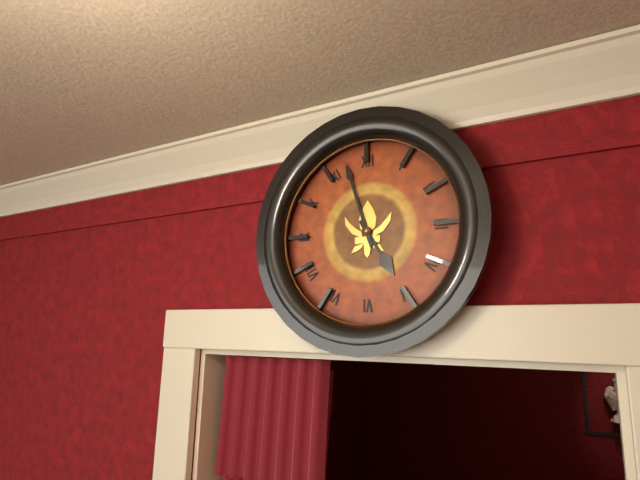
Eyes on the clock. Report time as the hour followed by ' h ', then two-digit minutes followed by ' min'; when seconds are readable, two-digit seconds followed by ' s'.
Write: 4 h 57 min
